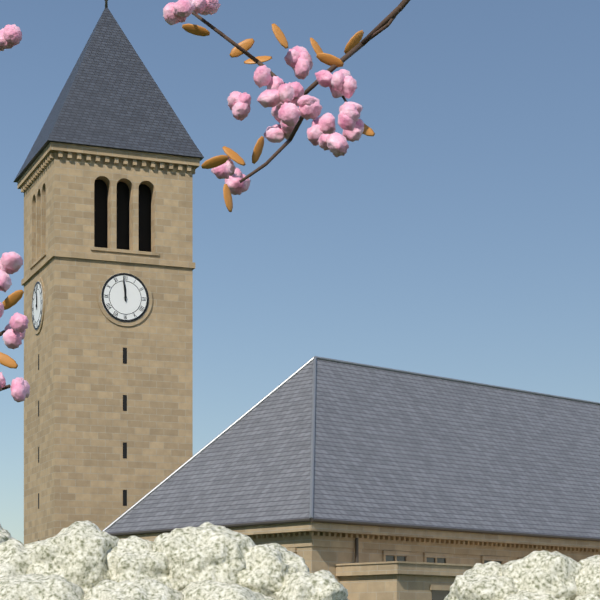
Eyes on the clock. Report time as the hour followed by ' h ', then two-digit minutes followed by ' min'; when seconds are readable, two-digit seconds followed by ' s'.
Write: 11 h 59 min
